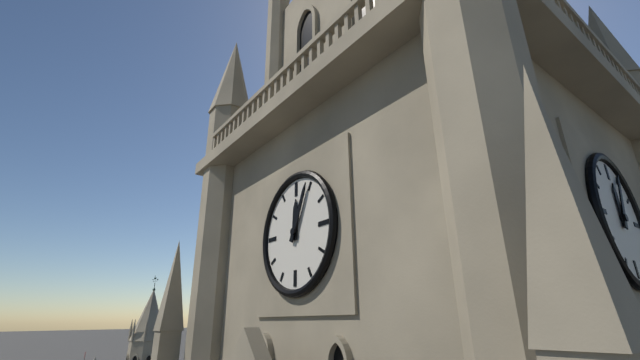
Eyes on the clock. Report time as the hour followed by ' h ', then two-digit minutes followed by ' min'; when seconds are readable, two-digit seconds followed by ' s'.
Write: 12 h 04 min
